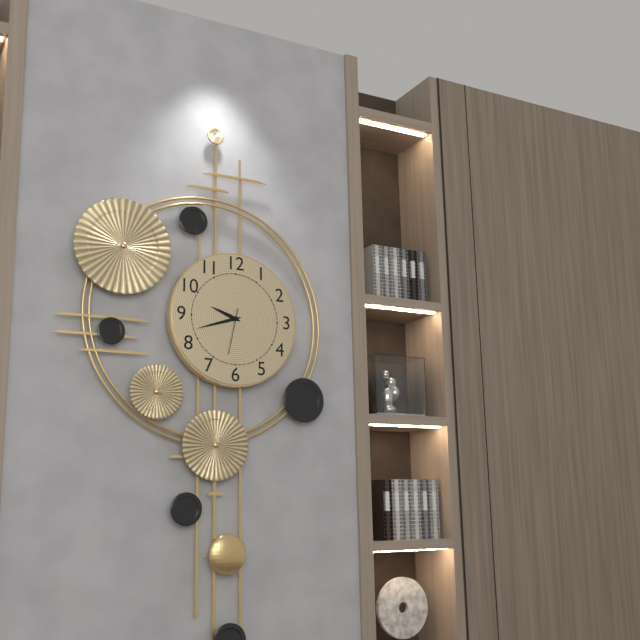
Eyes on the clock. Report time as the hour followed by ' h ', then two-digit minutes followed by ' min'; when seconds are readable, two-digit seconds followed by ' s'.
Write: 9 h 42 min
